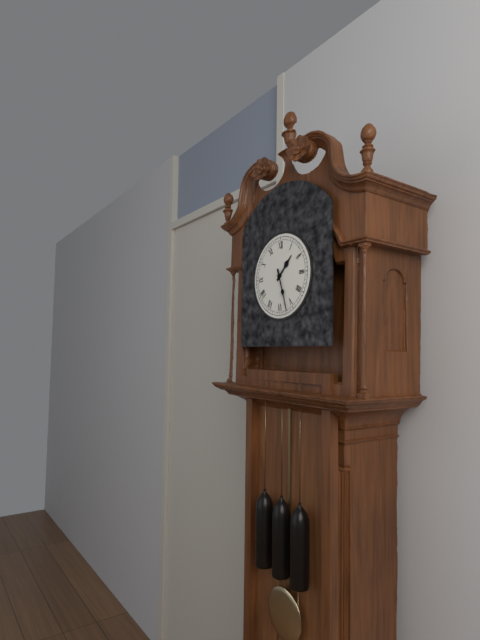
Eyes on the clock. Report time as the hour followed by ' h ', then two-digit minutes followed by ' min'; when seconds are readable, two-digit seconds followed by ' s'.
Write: 1 h 27 min
